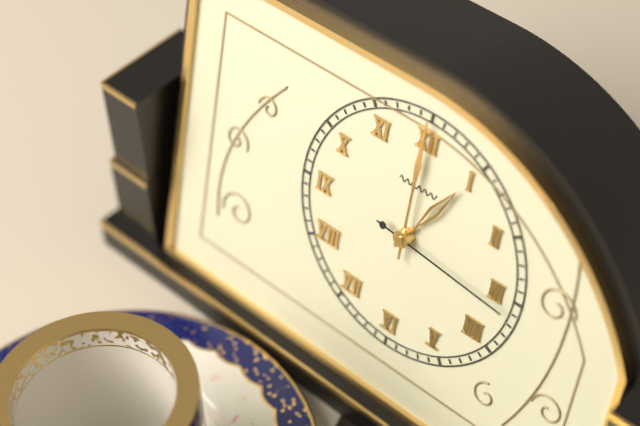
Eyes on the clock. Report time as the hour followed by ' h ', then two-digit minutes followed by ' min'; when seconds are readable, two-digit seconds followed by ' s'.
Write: 1 h 00 min 16 s
